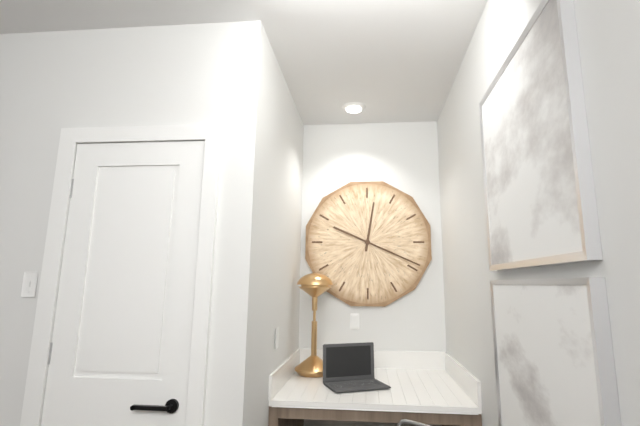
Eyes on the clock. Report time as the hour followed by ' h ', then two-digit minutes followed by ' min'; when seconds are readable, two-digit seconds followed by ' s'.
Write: 12 h 19 min
